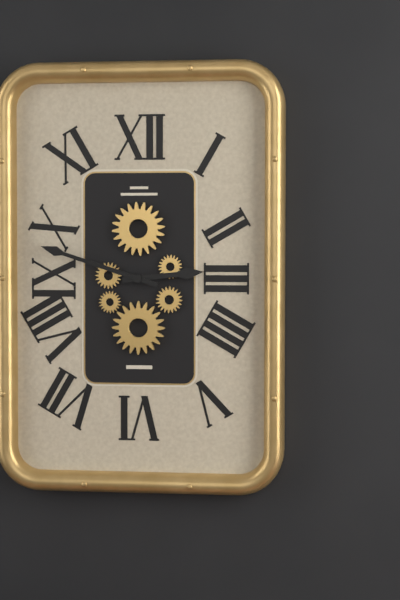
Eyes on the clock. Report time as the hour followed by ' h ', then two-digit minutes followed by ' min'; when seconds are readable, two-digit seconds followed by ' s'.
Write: 2 h 48 min
